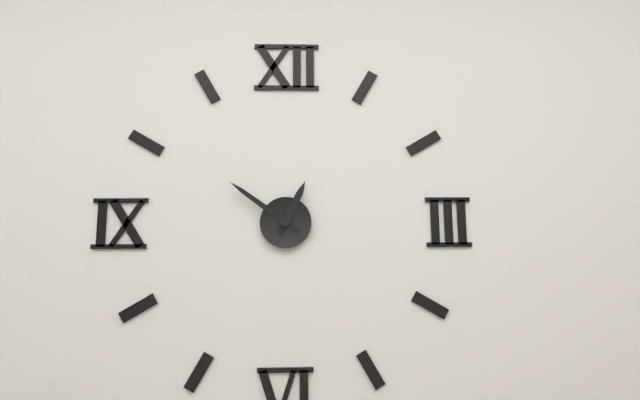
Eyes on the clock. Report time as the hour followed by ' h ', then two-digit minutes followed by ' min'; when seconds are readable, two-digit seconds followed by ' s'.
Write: 12 h 51 min
